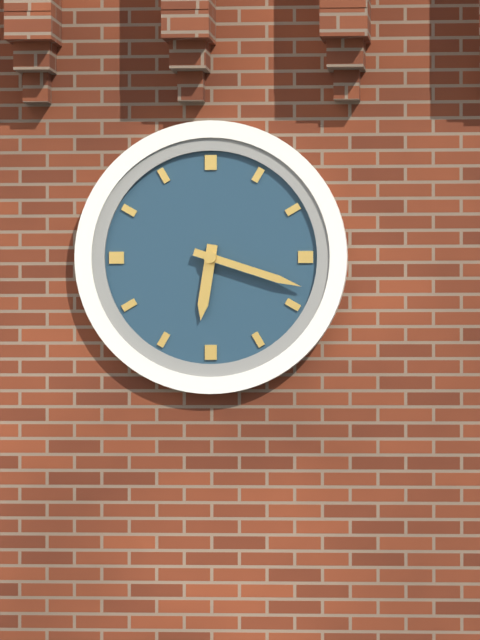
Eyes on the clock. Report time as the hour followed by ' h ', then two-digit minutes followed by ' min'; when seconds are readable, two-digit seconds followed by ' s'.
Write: 6 h 18 min
